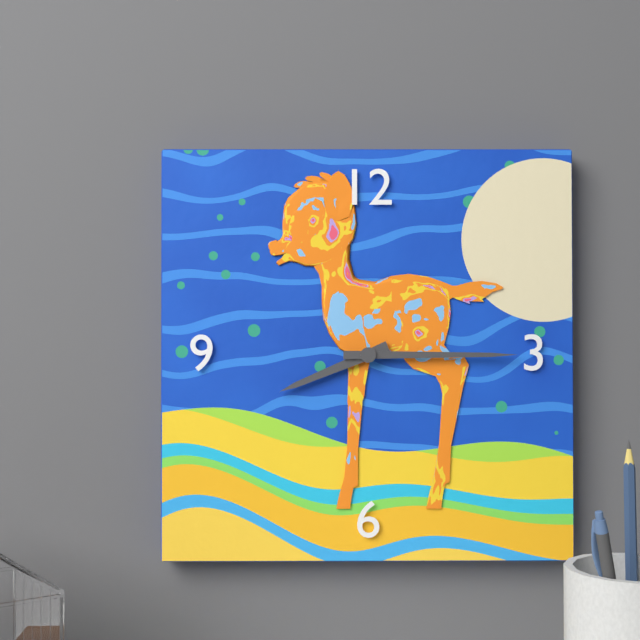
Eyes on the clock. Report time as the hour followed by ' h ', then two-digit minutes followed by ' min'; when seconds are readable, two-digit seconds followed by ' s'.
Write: 8 h 15 min
